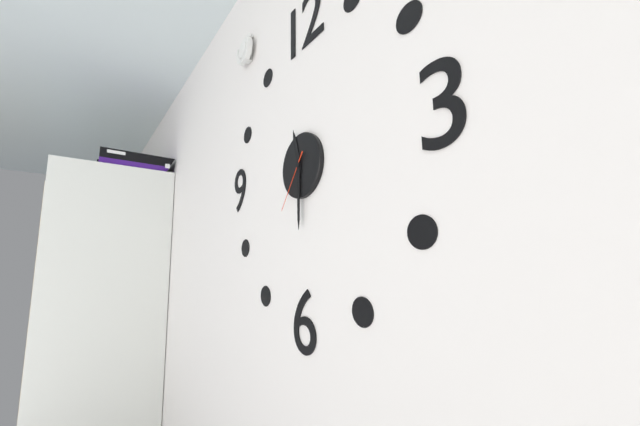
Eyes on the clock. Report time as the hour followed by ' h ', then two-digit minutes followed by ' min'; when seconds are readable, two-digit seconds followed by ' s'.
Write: 11 h 30 min 36 s
